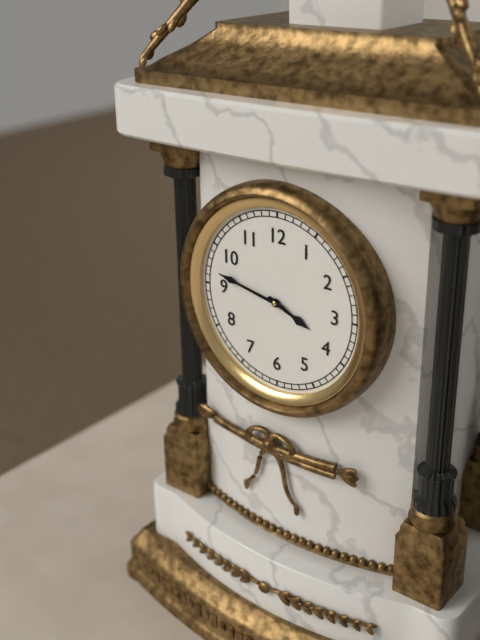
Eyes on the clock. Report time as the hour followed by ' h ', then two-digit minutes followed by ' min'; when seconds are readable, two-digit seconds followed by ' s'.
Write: 3 h 47 min
